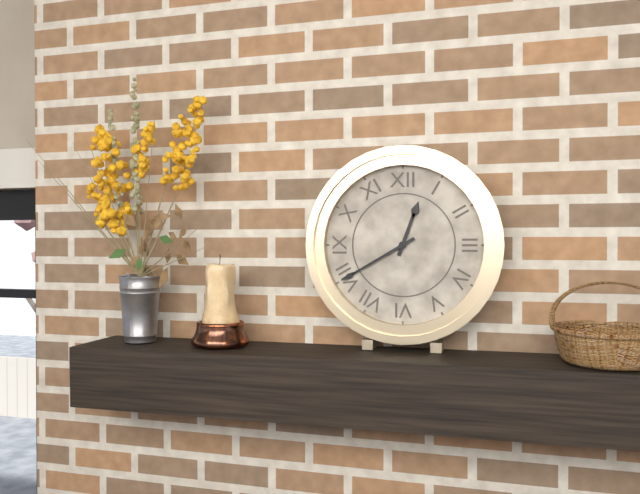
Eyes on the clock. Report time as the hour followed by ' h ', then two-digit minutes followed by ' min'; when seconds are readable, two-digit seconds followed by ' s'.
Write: 12 h 40 min
